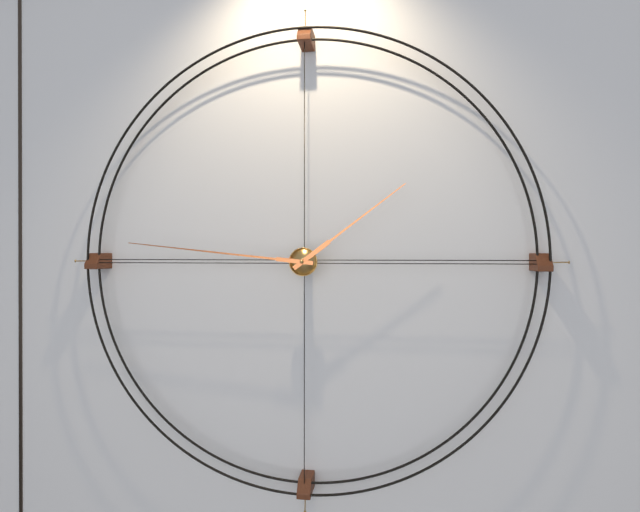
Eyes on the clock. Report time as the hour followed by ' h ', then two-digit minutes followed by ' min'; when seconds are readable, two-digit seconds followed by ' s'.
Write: 1 h 46 min
